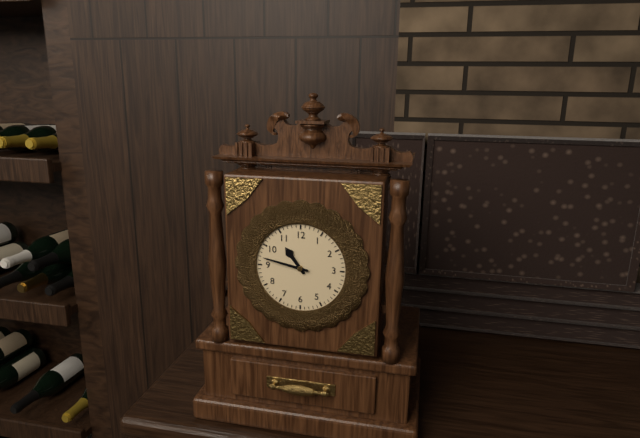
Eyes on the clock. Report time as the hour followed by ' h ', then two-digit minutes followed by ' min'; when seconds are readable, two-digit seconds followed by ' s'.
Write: 10 h 47 min
